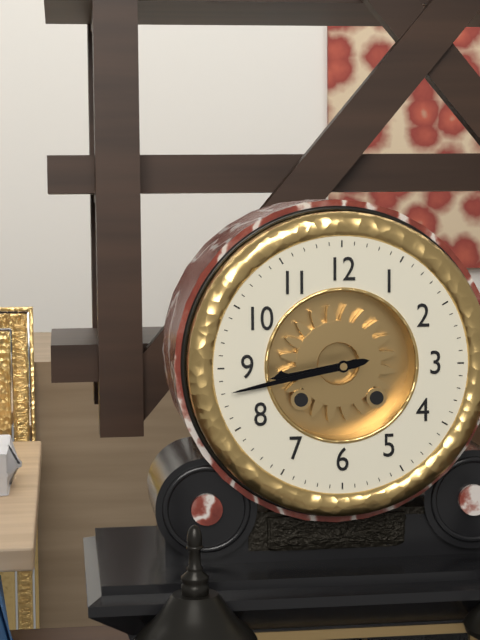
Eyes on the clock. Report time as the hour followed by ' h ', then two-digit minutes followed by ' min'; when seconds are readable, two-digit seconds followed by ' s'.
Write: 8 h 43 min
